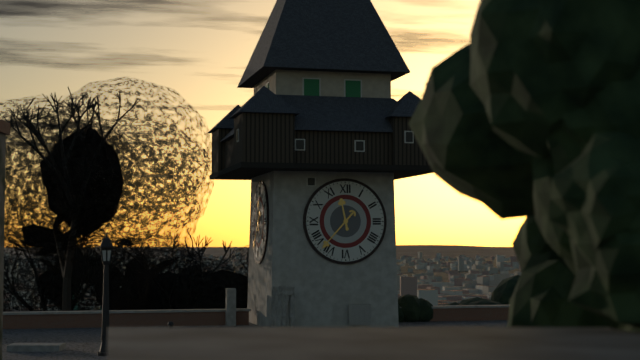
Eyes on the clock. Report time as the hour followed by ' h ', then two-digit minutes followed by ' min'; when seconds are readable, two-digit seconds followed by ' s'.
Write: 11 h 37 min
